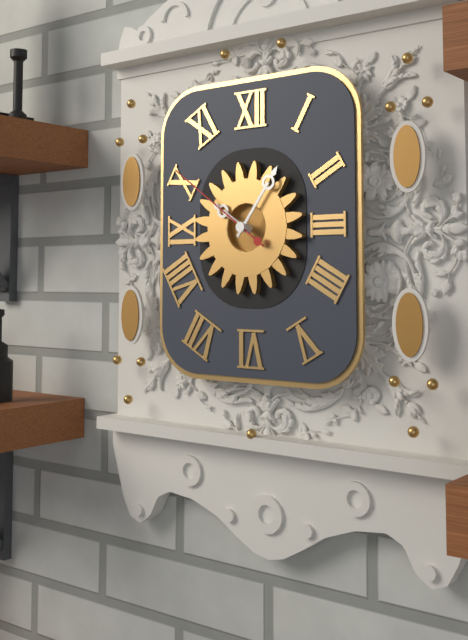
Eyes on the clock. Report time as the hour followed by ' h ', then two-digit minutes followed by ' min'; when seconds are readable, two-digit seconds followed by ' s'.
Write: 10 h 06 min 51 s
